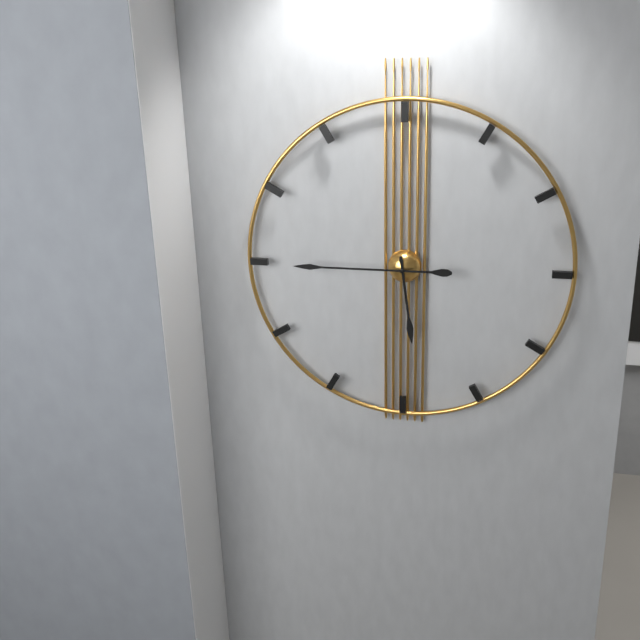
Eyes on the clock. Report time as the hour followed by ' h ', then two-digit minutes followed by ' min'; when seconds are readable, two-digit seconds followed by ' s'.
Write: 5 h 45 min
